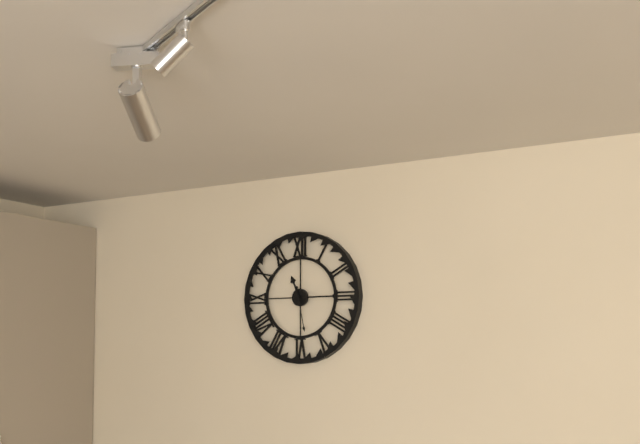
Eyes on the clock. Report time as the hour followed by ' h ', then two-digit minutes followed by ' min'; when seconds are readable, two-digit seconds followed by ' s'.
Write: 11 h 15 min
